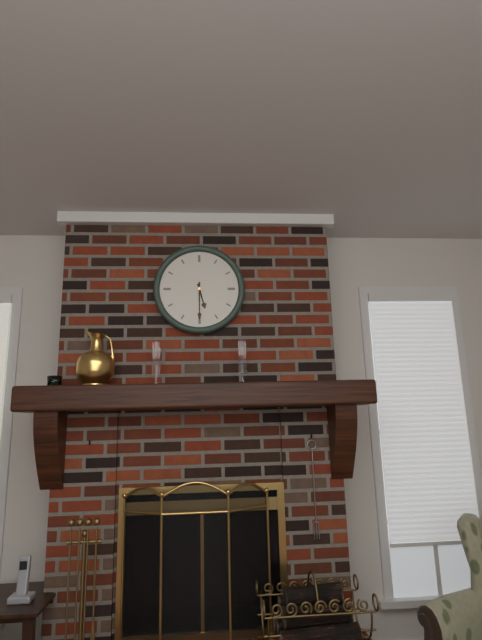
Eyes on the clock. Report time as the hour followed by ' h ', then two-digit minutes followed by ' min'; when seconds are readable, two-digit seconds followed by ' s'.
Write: 5 h 30 min
